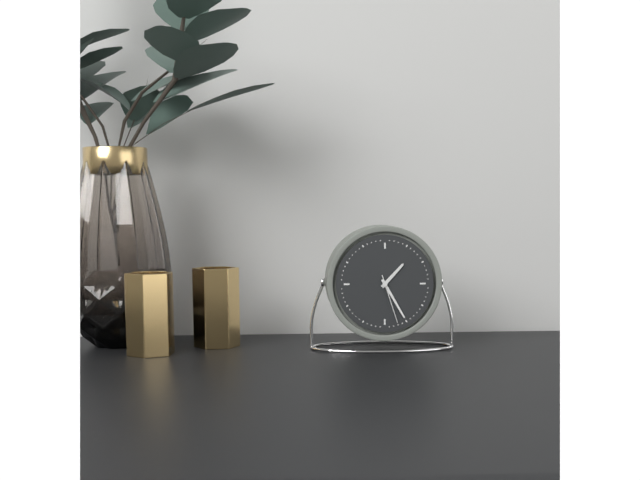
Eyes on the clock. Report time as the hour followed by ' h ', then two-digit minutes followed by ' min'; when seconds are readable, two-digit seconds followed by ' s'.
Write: 1 h 25 min 27 s
